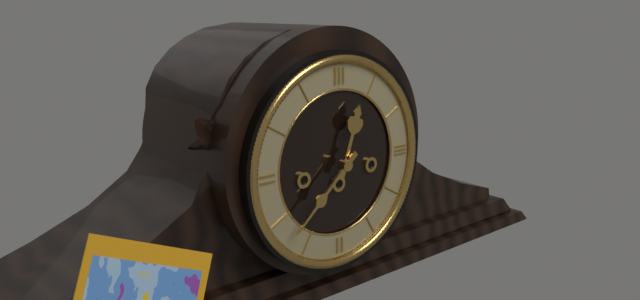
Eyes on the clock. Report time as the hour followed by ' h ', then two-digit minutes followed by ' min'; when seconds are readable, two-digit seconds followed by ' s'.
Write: 12 h 38 min
